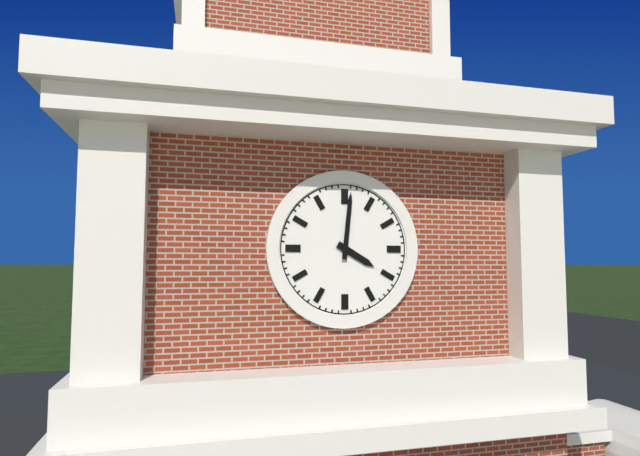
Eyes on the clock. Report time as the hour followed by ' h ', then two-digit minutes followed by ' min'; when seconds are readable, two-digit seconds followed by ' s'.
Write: 4 h 01 min
